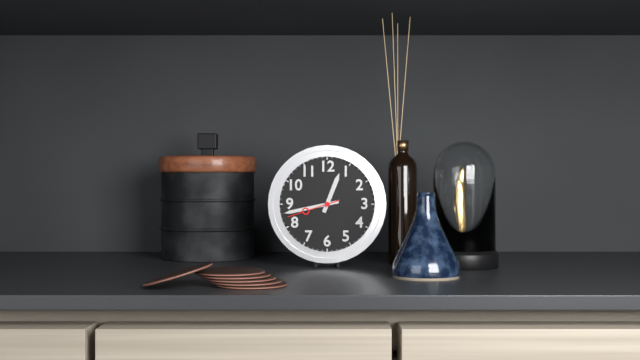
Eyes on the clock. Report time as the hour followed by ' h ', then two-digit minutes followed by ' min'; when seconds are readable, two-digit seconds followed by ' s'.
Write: 12 h 43 min 42 s
